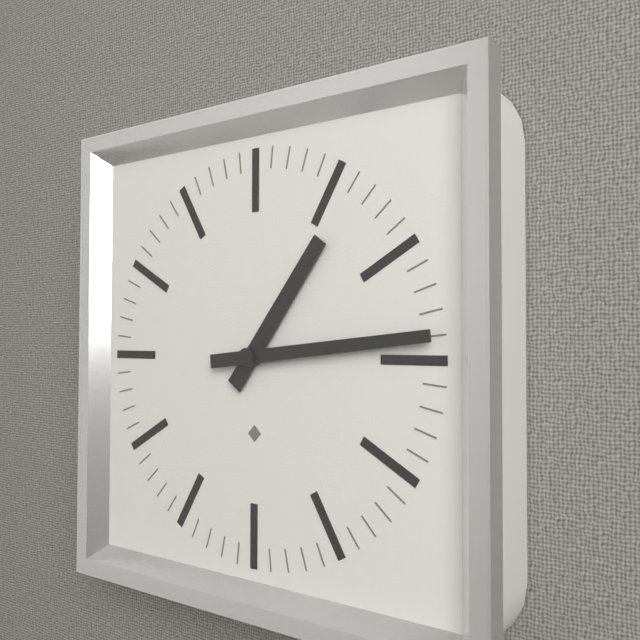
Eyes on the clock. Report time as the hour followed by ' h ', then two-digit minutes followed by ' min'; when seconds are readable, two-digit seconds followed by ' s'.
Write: 1 h 14 min
